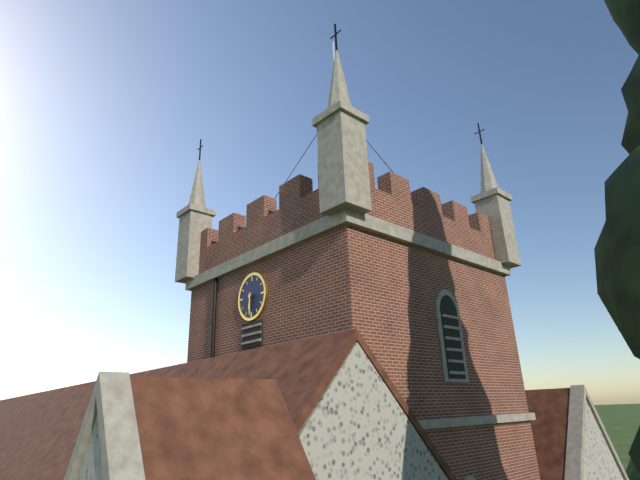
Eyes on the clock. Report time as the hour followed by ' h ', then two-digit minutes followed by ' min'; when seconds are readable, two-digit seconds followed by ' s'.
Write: 6 h 30 min
